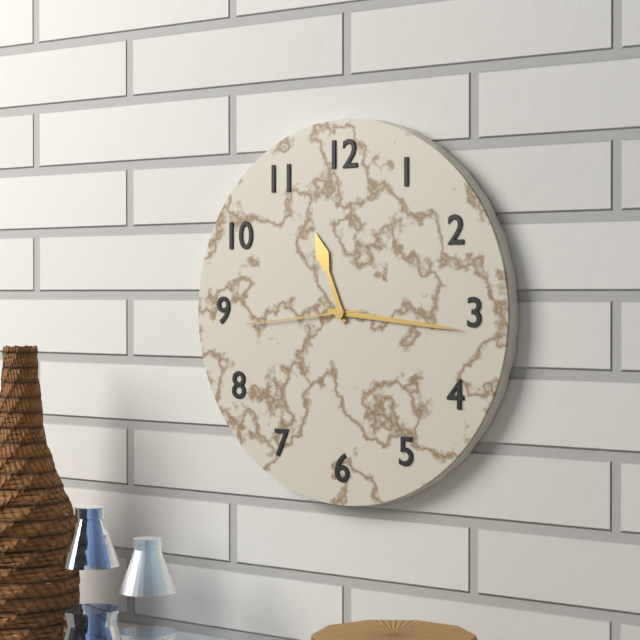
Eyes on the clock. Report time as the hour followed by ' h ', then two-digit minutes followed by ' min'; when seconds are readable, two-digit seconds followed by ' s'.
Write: 11 h 16 min 44 s
